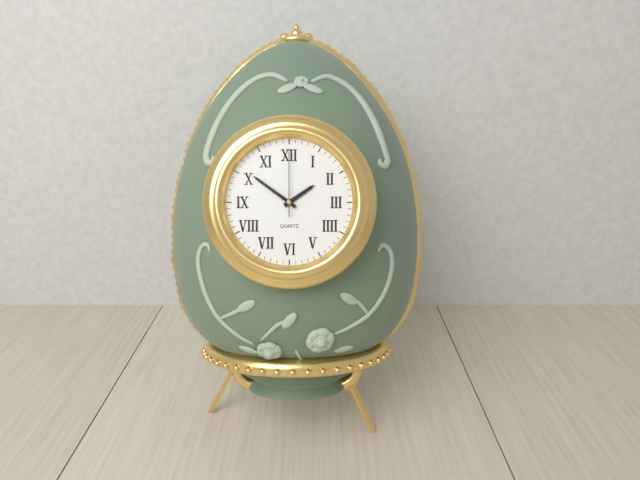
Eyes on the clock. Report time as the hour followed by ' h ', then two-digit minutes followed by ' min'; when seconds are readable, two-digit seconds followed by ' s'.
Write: 1 h 51 min 00 s
